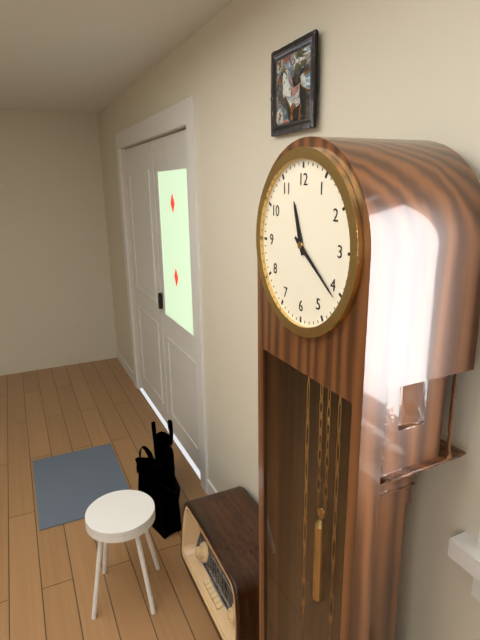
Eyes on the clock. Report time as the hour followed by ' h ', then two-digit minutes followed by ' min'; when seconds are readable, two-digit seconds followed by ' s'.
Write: 11 h 21 min
